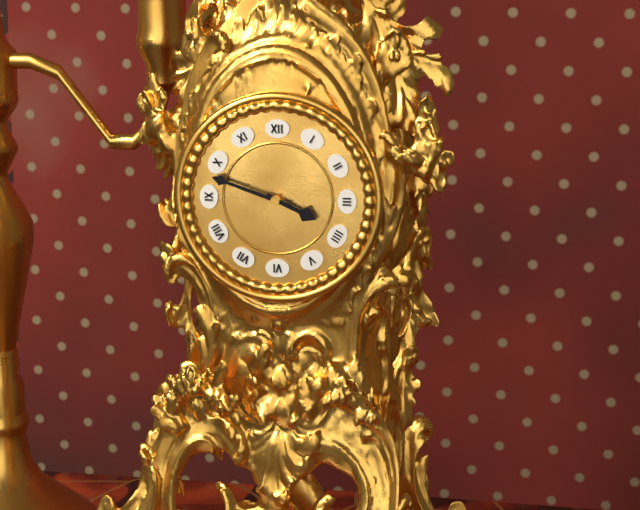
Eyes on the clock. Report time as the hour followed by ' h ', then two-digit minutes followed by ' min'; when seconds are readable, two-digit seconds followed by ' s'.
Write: 3 h 48 min
